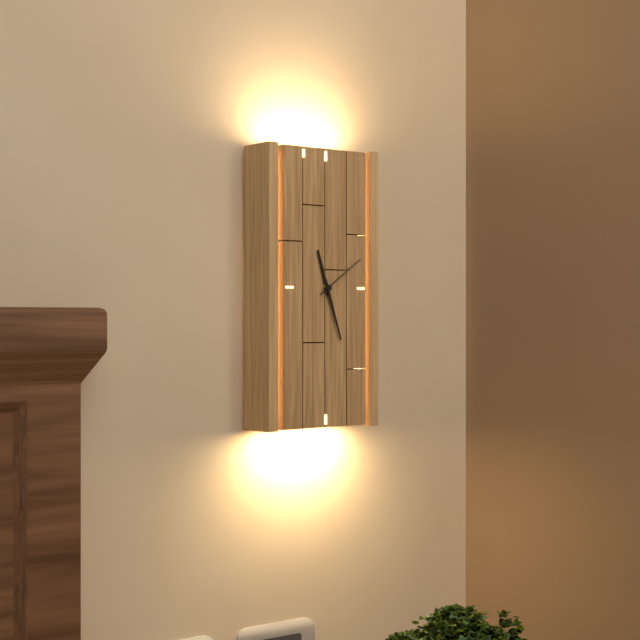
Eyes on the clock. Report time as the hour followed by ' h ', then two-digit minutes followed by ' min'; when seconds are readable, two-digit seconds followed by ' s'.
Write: 11 h 27 min 09 s
